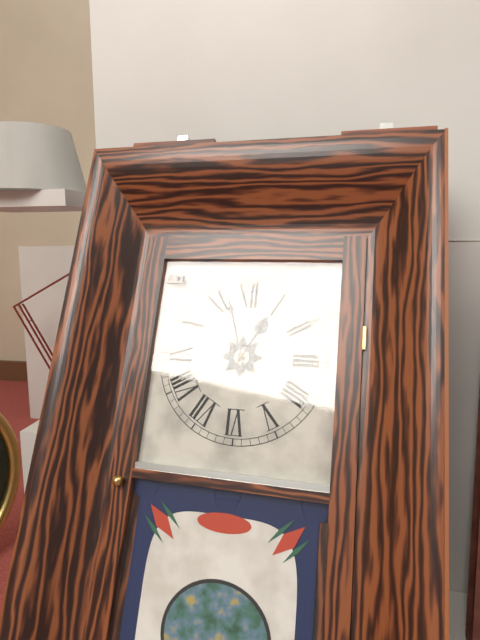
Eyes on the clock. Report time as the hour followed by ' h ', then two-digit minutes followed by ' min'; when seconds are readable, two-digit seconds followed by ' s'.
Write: 12 h 57 min
